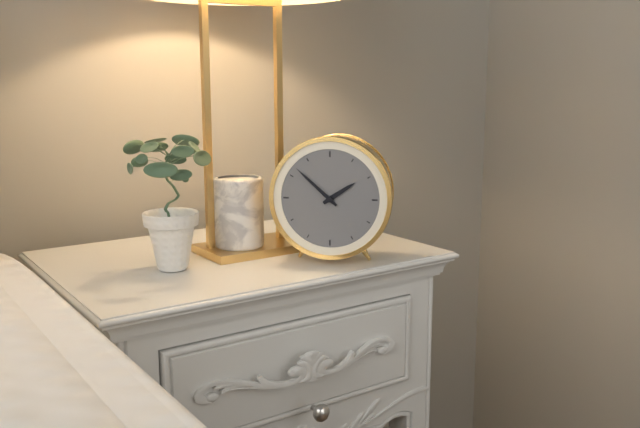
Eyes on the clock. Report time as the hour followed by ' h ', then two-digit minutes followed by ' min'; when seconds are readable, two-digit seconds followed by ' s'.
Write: 1 h 52 min
